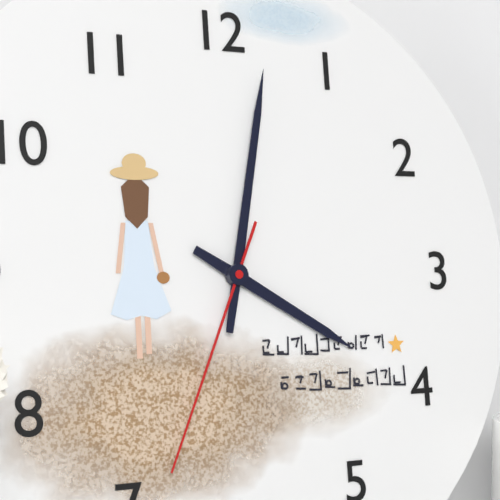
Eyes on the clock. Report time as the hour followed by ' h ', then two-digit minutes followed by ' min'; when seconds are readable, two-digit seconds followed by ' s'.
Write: 4 h 02 min 34 s
